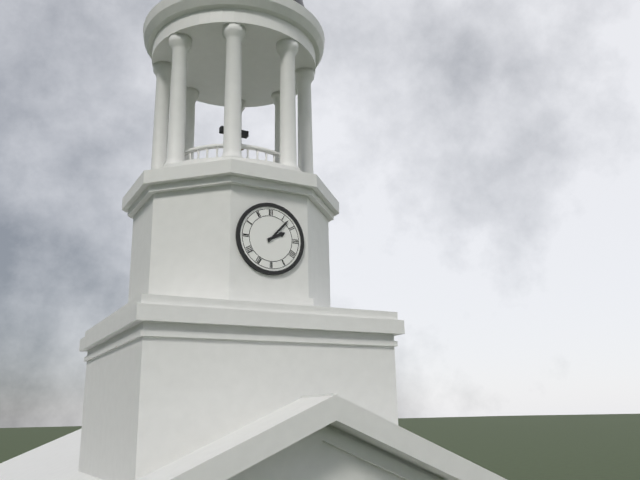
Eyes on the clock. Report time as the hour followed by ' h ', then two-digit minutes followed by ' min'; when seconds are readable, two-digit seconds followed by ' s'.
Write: 2 h 07 min
